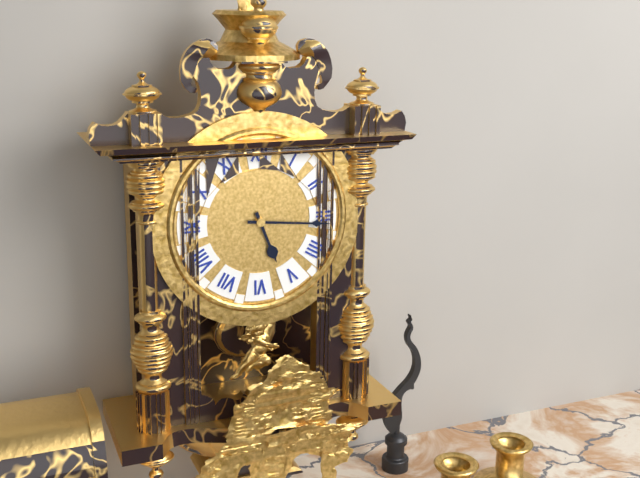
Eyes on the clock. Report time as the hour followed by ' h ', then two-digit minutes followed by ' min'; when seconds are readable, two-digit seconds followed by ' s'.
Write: 5 h 16 min
